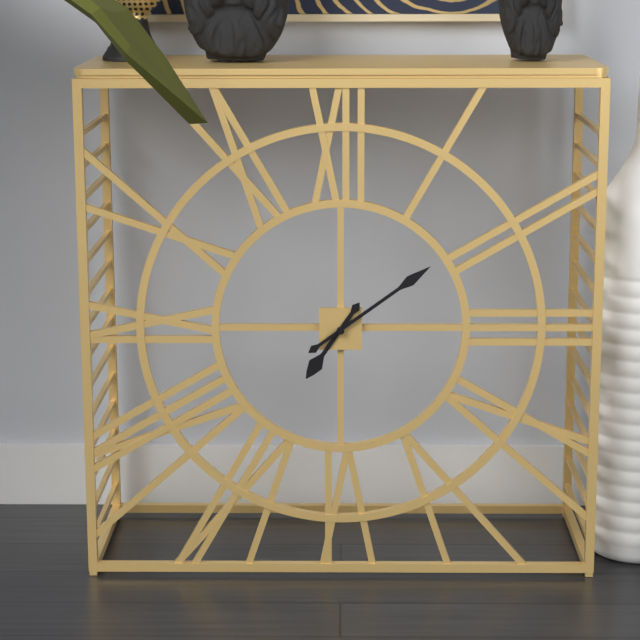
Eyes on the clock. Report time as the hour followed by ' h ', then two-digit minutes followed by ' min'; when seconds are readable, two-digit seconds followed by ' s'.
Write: 7 h 09 min
